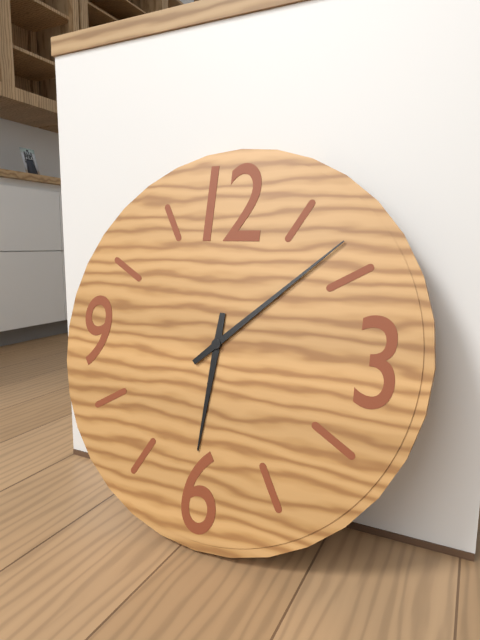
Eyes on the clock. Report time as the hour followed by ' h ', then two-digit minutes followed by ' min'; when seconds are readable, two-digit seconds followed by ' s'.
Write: 6 h 08 min
